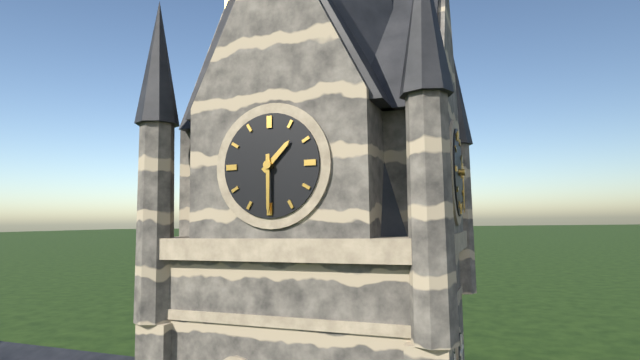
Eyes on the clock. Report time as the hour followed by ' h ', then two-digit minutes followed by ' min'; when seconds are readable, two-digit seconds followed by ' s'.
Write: 1 h 30 min
